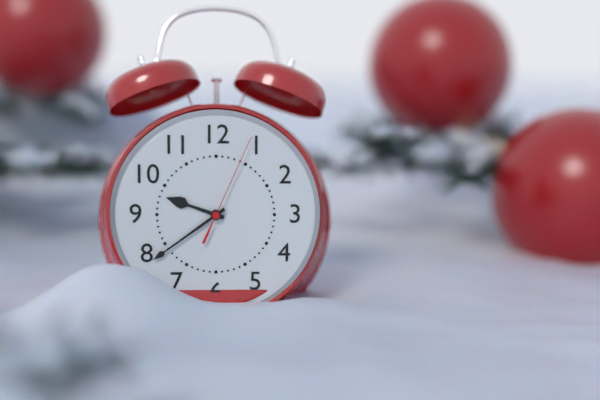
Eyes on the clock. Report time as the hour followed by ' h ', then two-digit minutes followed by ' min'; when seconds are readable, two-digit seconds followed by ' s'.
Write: 9 h 39 min 04 s
